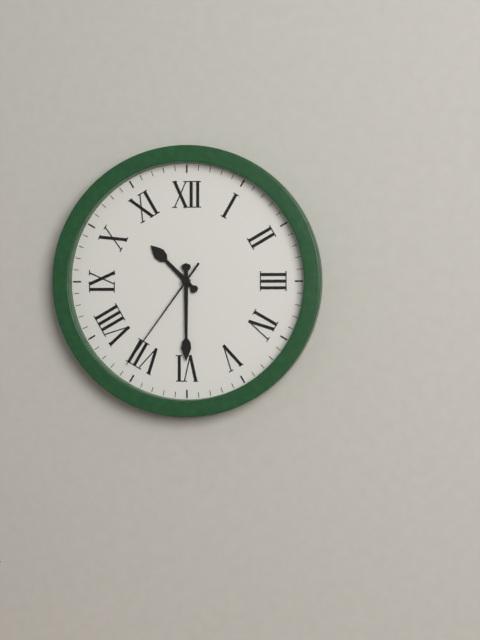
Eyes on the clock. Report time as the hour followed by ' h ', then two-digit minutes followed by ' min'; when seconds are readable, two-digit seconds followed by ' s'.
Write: 10 h 30 min 36 s
